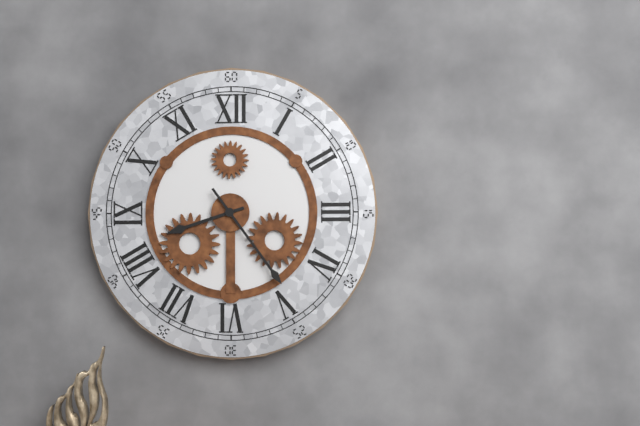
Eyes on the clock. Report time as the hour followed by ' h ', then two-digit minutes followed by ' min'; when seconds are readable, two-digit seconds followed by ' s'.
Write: 8 h 24 min
